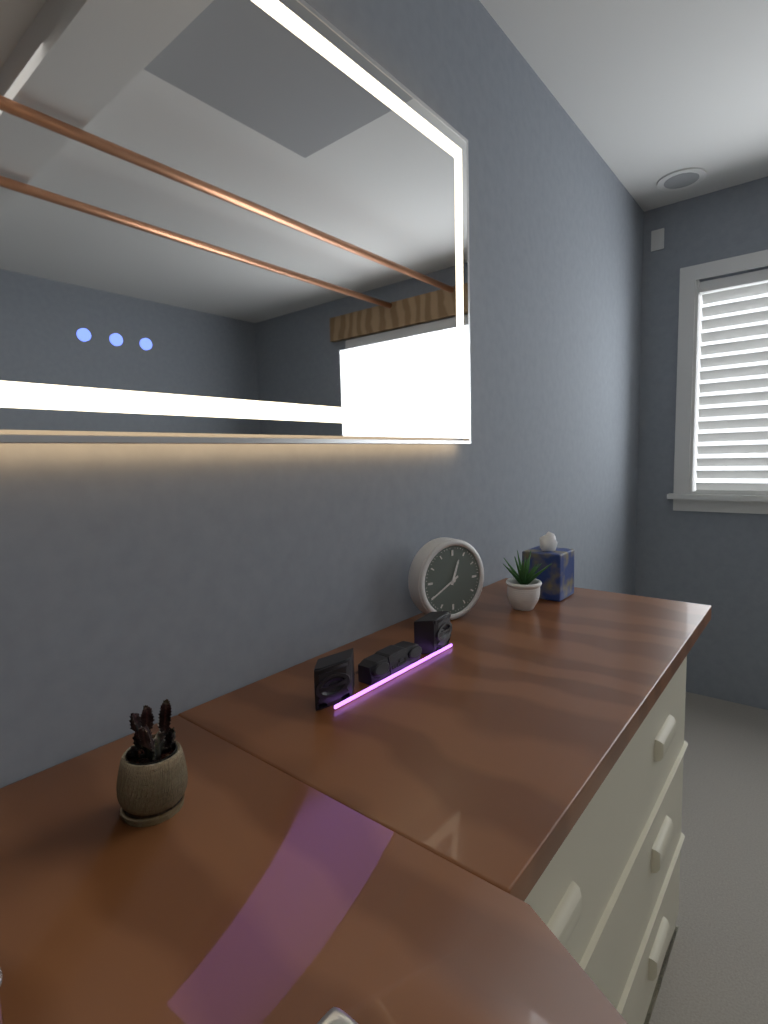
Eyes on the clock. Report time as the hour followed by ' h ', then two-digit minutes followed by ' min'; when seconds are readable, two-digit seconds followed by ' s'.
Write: 12 h 40 min
